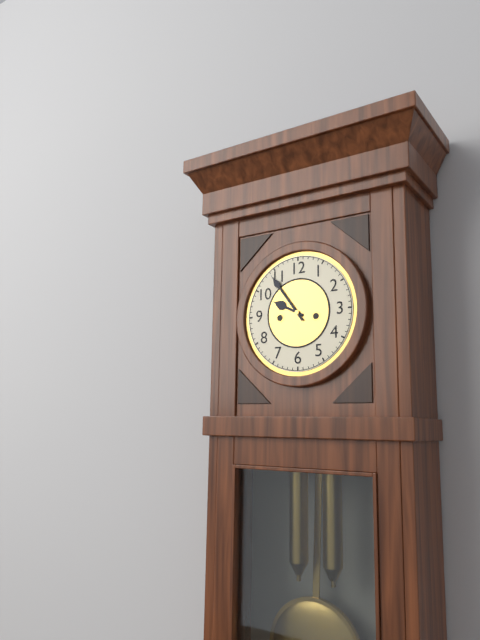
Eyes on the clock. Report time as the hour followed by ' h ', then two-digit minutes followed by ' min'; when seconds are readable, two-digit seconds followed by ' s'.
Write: 9 h 54 min
